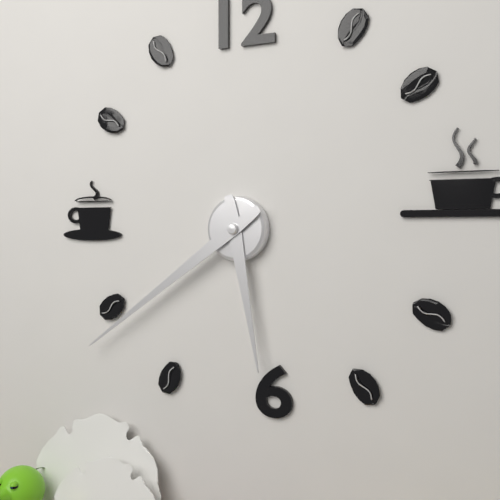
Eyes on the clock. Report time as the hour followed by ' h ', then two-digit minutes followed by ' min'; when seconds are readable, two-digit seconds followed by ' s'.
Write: 5 h 39 min
